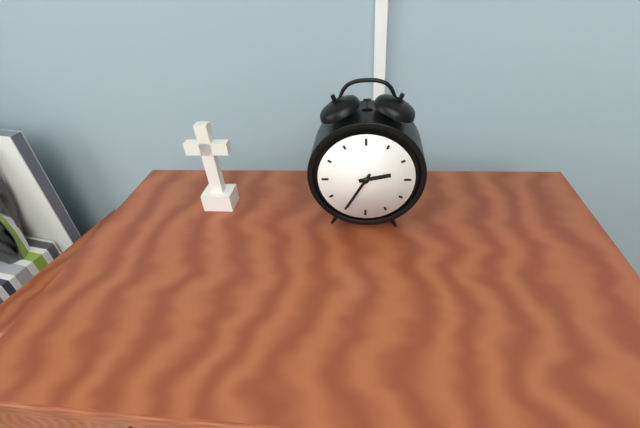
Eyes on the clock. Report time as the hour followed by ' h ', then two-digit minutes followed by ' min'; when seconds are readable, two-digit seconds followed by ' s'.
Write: 2 h 35 min
